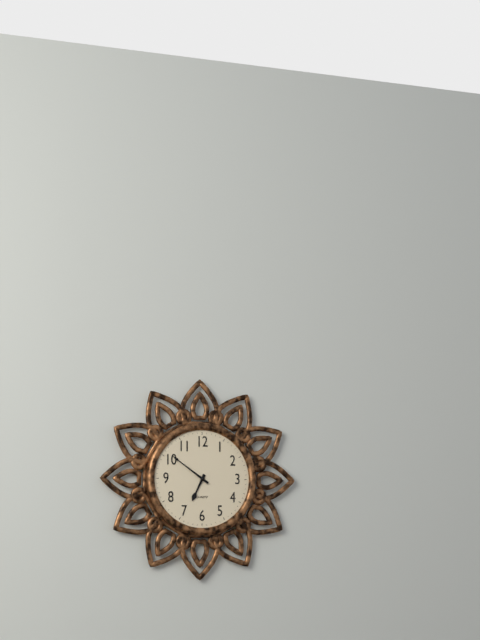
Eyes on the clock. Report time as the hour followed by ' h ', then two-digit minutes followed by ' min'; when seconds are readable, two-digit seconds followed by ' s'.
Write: 6 h 51 min
